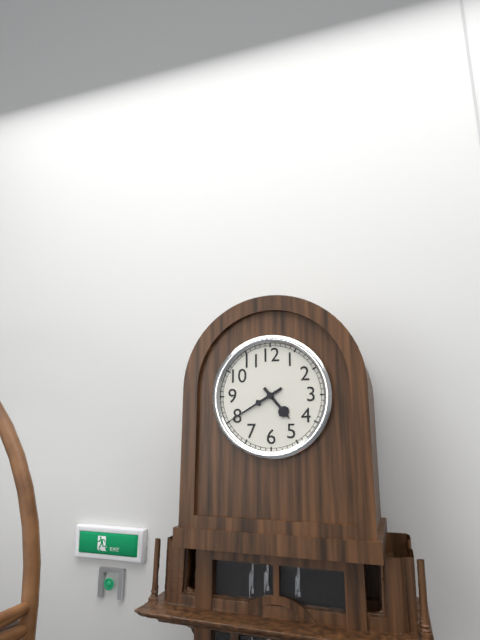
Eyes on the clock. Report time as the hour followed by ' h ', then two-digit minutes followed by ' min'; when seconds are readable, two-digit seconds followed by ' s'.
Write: 4 h 40 min
